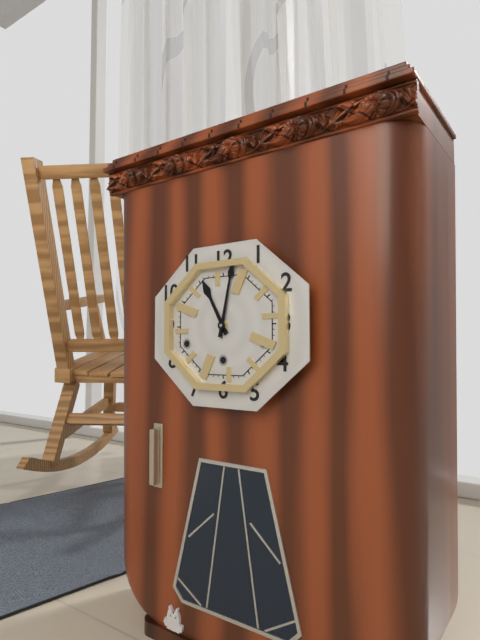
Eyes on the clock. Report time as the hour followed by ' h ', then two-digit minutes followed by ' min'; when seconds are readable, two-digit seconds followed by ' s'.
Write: 11 h 02 min
